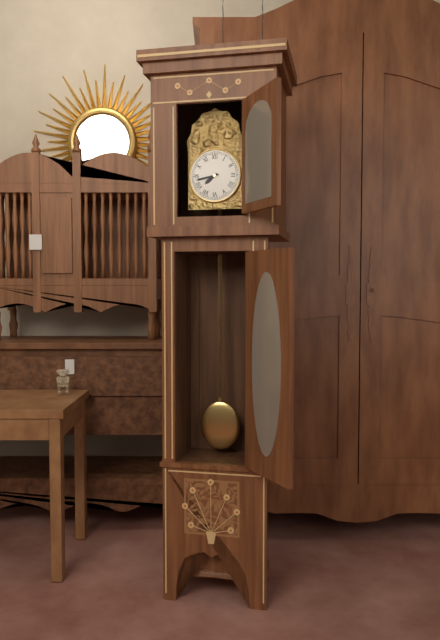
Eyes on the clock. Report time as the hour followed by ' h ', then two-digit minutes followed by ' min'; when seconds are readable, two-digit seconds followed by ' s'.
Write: 7 h 43 min
